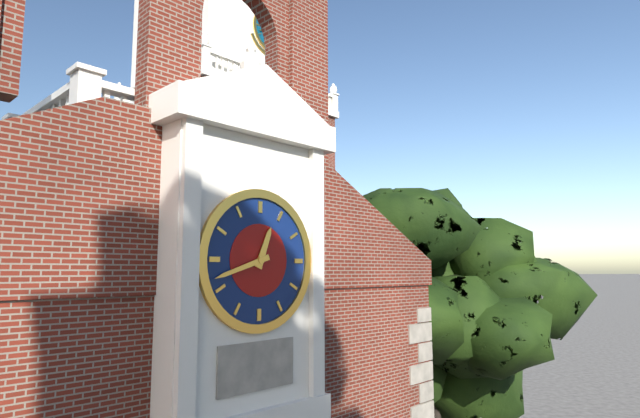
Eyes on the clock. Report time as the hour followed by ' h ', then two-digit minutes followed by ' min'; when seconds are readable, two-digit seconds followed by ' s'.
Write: 12 h 42 min
